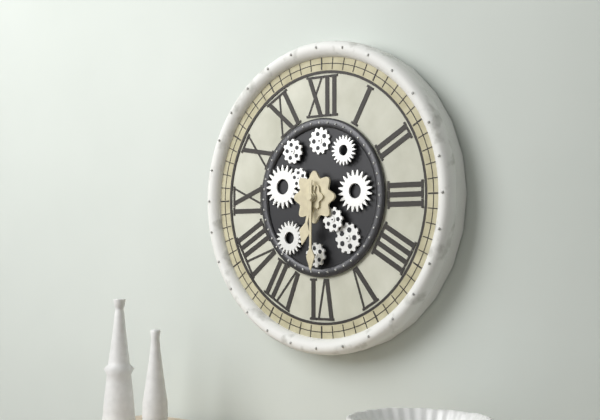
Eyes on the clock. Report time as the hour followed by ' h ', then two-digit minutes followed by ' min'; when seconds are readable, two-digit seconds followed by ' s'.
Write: 6 h 30 min
